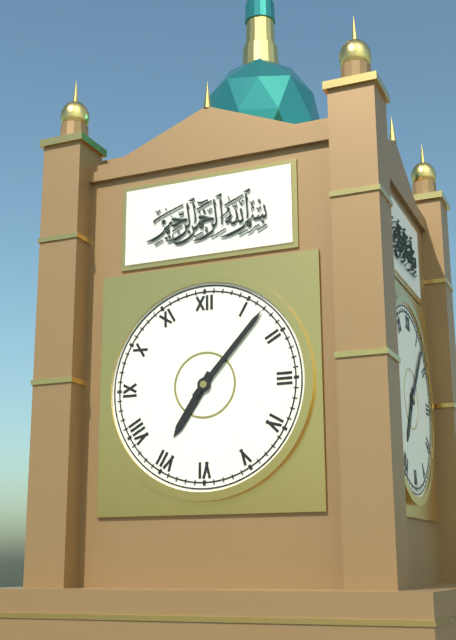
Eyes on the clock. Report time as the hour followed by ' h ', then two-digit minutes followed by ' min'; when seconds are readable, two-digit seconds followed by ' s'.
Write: 7 h 07 min
